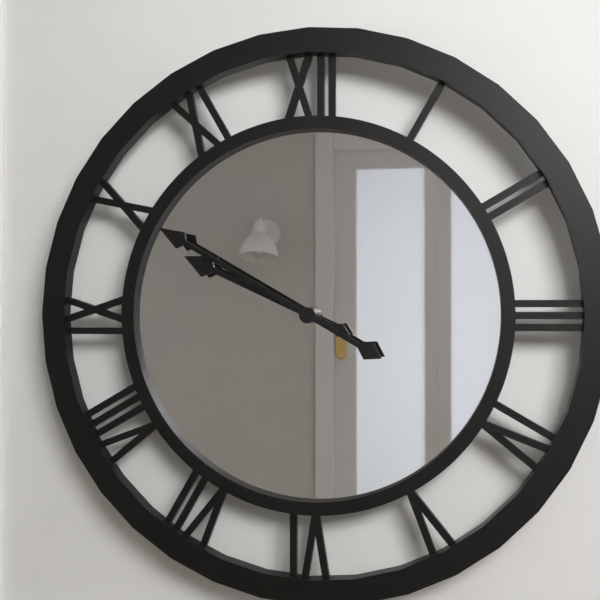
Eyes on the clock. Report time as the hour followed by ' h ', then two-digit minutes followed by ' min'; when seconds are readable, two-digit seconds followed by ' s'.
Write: 9 h 50 min
